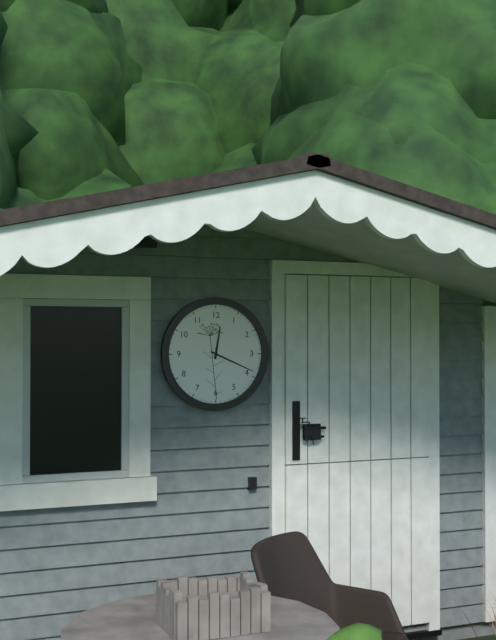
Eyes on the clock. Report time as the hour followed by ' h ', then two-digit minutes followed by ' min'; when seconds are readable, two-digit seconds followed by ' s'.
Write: 12 h 19 min
